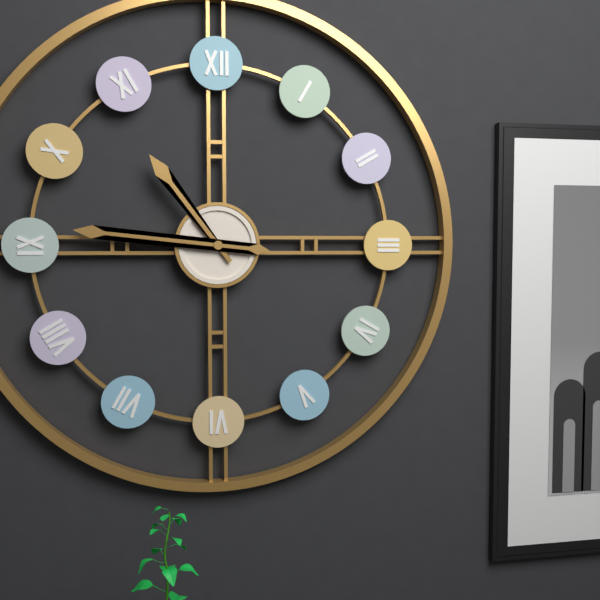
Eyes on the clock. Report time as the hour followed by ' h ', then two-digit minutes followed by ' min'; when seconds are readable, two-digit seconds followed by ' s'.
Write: 10 h 46 min
